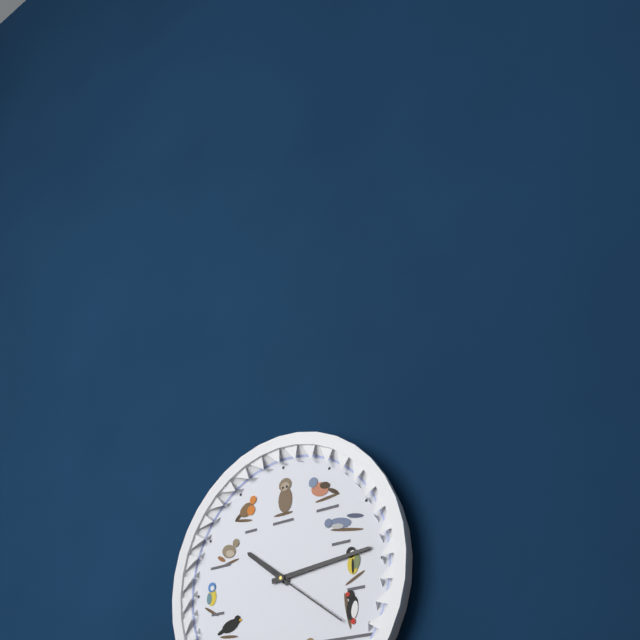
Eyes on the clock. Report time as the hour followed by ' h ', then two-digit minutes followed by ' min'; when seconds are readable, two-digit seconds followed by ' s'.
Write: 10 h 14 min 21 s
